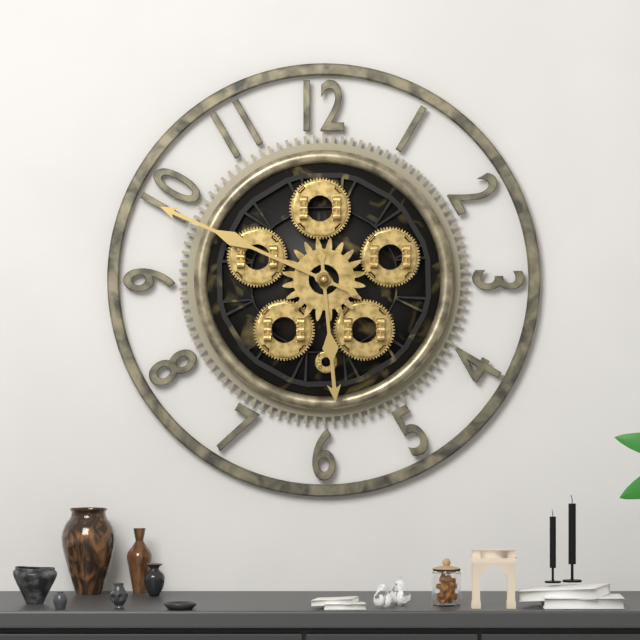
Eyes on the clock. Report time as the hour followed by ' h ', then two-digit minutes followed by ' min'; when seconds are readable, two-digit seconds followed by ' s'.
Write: 5 h 49 min
